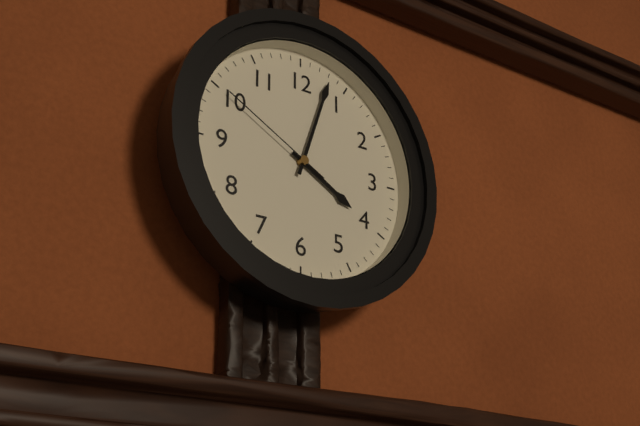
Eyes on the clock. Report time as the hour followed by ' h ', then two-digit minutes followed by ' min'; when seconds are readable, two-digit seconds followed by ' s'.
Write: 4 h 03 min 50 s
